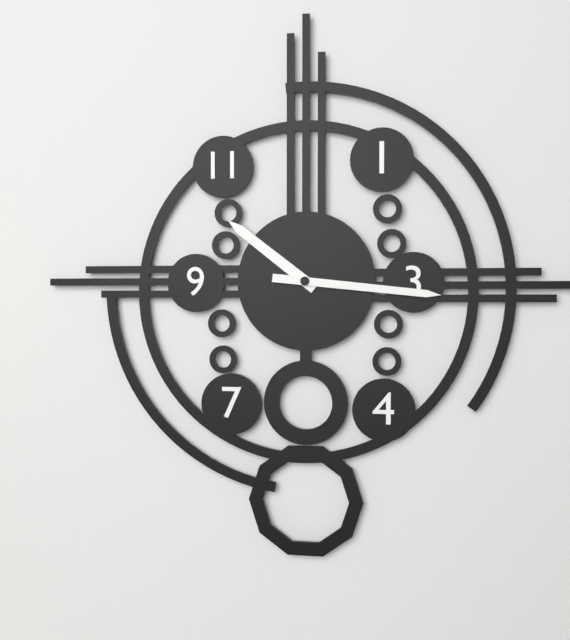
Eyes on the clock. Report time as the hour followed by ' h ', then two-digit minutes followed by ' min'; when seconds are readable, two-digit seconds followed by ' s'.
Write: 10 h 16 min
